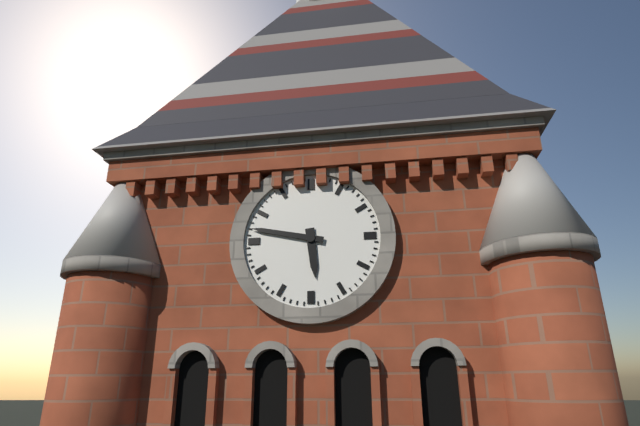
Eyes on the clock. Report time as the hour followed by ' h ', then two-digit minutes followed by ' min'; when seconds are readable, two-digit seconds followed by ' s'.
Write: 5 h 47 min
